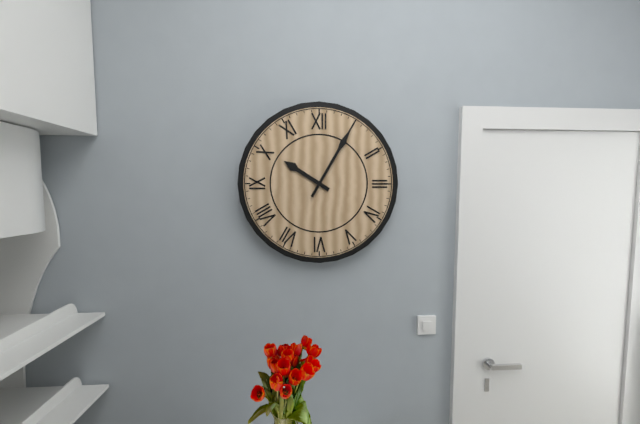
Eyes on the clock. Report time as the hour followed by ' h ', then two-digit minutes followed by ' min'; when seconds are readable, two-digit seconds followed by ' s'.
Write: 10 h 05 min
